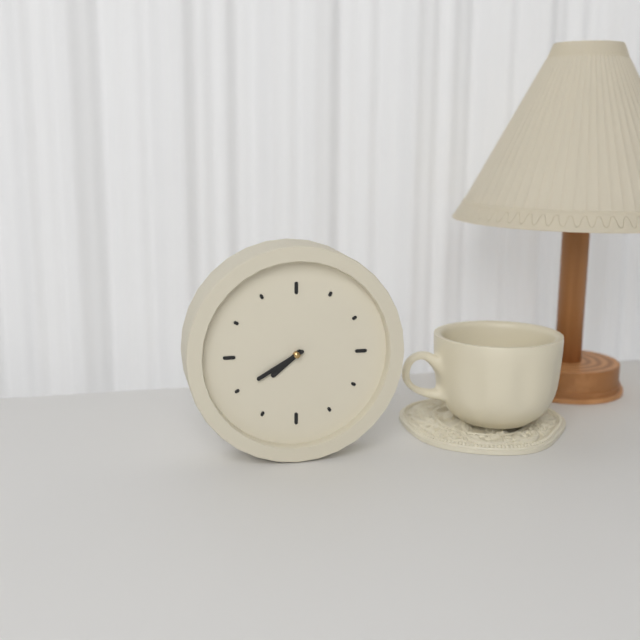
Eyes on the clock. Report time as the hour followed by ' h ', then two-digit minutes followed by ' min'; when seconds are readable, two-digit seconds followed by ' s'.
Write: 7 h 40 min
